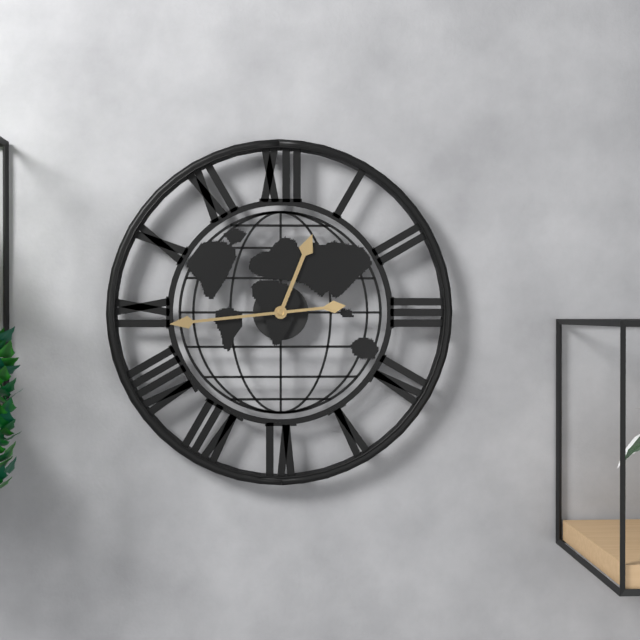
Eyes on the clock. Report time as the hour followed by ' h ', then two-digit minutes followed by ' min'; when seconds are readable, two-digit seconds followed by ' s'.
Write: 12 h 44 min
